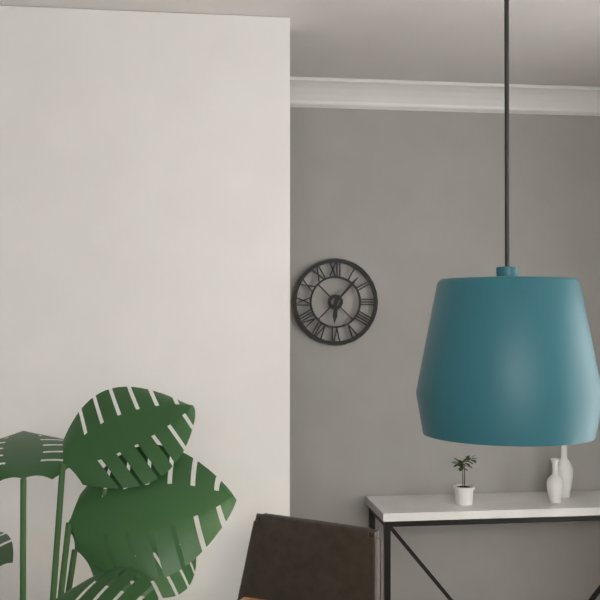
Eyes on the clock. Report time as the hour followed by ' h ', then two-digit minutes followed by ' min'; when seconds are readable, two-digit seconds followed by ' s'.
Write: 6 h 07 min
